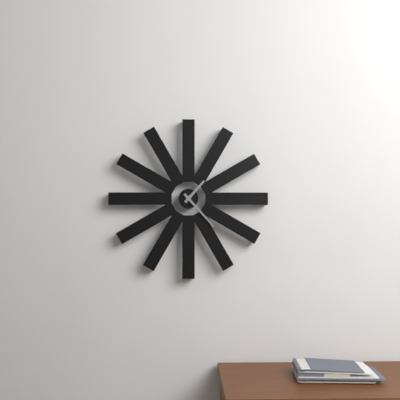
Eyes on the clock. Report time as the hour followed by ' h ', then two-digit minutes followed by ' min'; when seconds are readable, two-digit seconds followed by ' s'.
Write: 1 h 23 min
